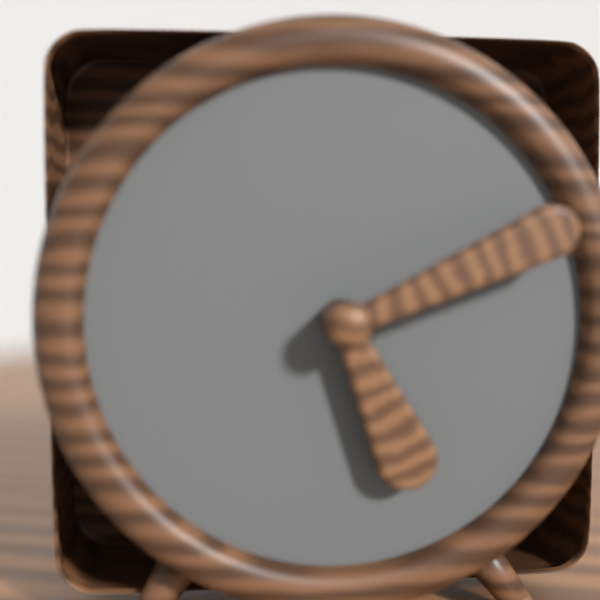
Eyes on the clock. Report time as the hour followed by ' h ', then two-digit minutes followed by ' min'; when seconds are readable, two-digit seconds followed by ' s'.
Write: 5 h 11 min
